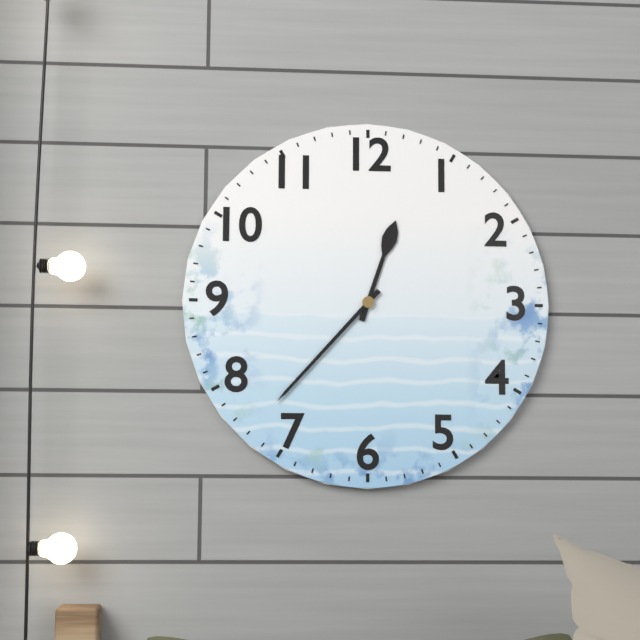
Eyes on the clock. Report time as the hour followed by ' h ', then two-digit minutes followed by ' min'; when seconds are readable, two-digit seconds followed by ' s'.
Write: 12 h 37 min
